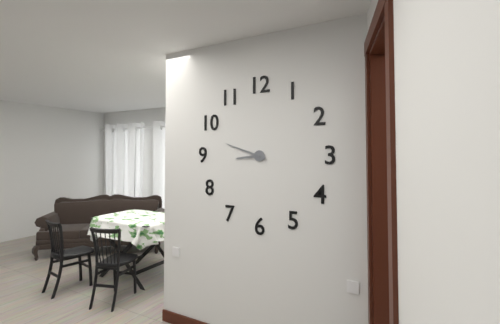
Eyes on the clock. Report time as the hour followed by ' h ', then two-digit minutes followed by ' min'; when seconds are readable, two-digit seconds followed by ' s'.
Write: 8 h 48 min
